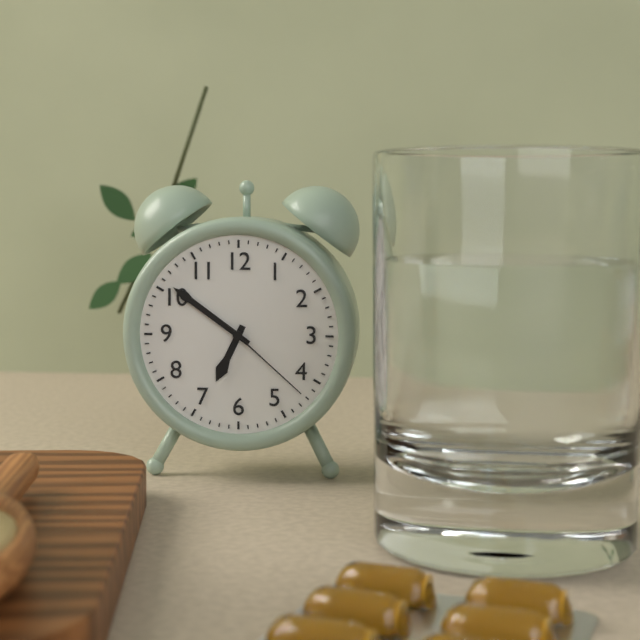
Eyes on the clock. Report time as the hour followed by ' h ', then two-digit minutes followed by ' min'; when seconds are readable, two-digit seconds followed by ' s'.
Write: 6 h 51 min 22 s
